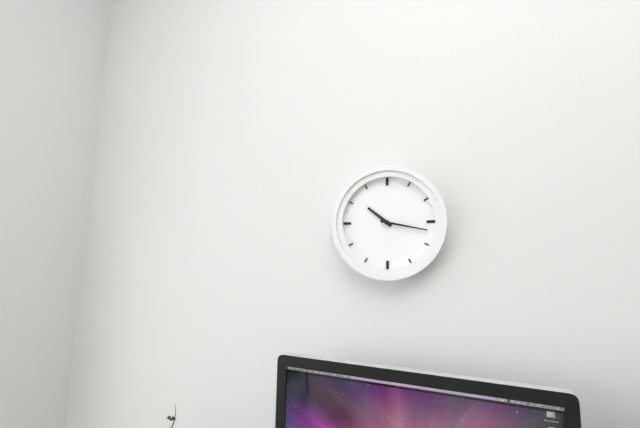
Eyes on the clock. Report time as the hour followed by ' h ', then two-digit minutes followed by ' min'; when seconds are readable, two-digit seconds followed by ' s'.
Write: 10 h 17 min
